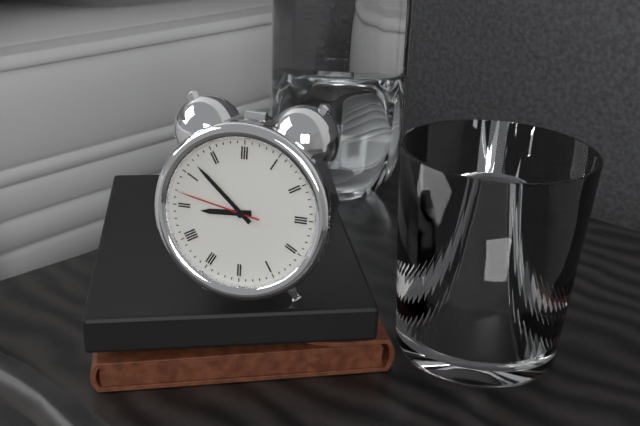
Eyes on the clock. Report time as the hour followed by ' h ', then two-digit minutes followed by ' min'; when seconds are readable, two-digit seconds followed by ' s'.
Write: 8 h 52 min 47 s
